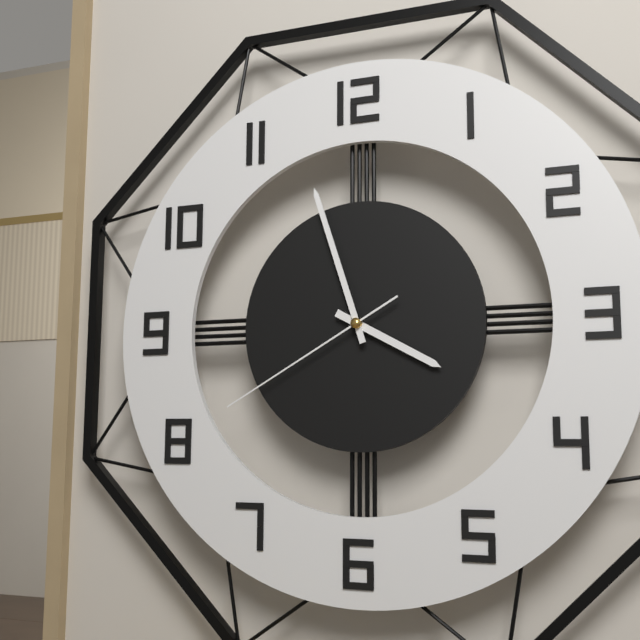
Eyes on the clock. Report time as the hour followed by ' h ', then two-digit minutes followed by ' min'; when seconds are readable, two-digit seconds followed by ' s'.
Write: 3 h 57 min 40 s
